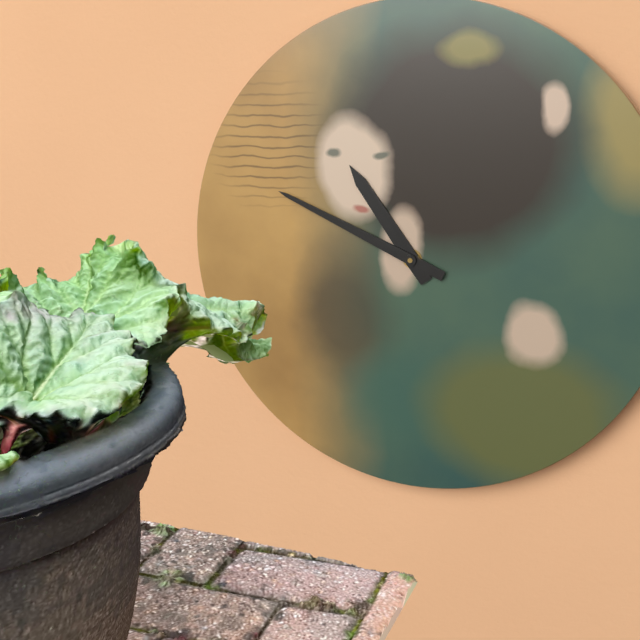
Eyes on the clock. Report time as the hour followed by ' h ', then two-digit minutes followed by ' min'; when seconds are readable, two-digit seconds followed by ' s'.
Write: 10 h 49 min
